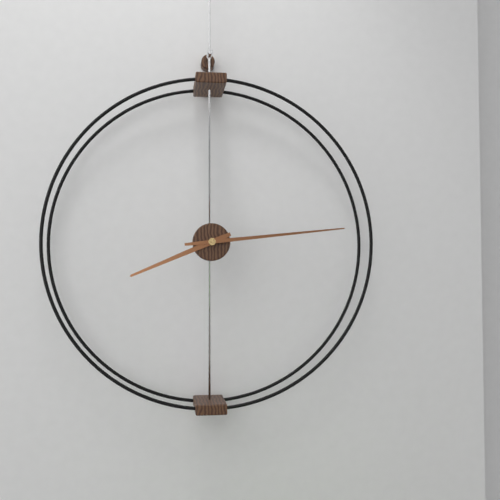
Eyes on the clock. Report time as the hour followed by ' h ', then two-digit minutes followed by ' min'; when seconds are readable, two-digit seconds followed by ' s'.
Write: 8 h 14 min
